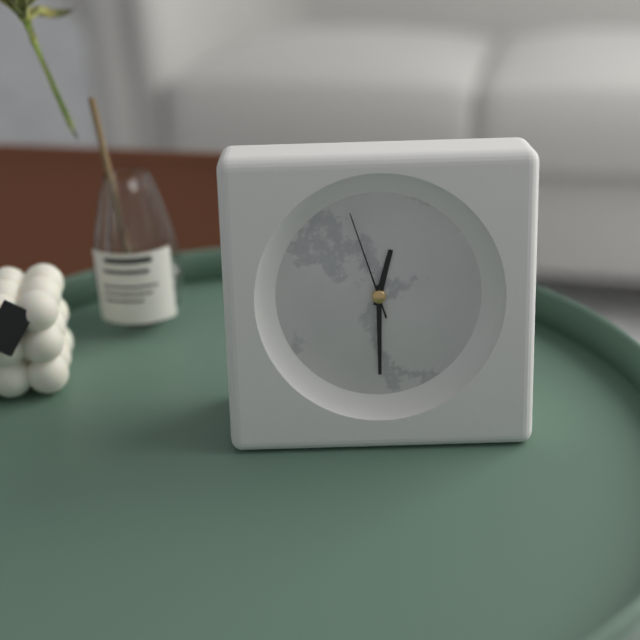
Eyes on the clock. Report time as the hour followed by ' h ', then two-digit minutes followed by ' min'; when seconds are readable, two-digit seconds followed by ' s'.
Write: 12 h 30 min 57 s
